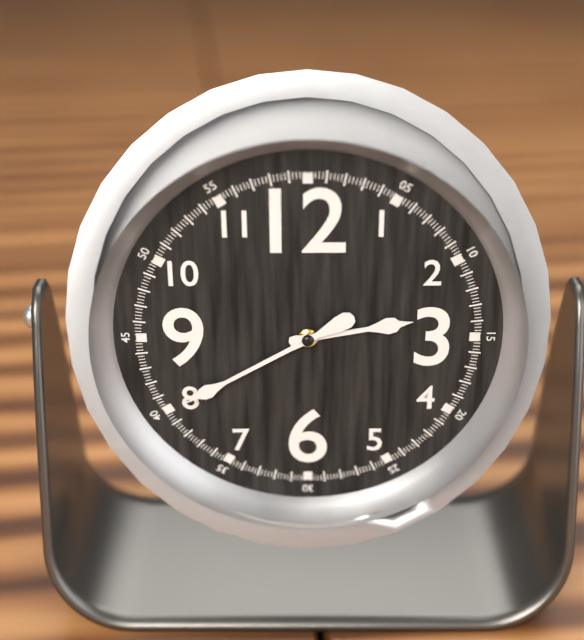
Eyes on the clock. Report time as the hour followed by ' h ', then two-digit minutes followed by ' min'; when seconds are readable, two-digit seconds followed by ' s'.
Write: 2 h 40 min
